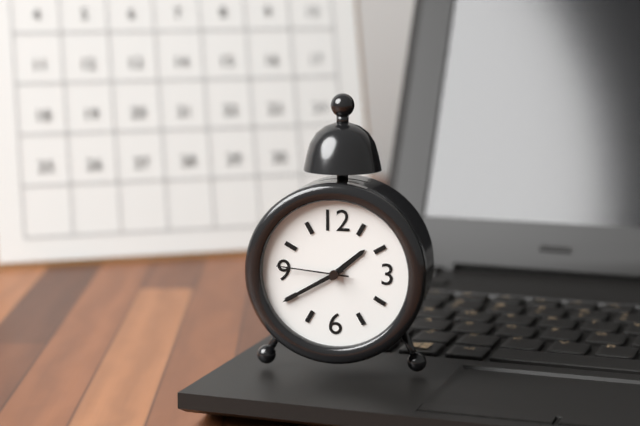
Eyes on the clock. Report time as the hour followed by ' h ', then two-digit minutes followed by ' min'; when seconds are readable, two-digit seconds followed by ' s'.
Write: 1 h 40 min 46 s
